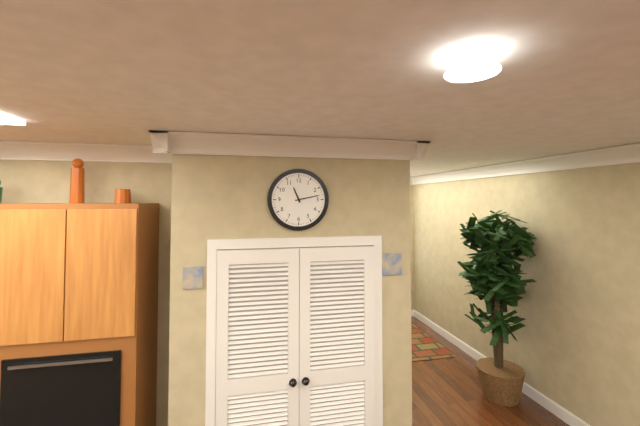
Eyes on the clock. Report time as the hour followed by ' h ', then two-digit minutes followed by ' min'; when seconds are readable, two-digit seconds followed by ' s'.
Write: 11 h 13 min
